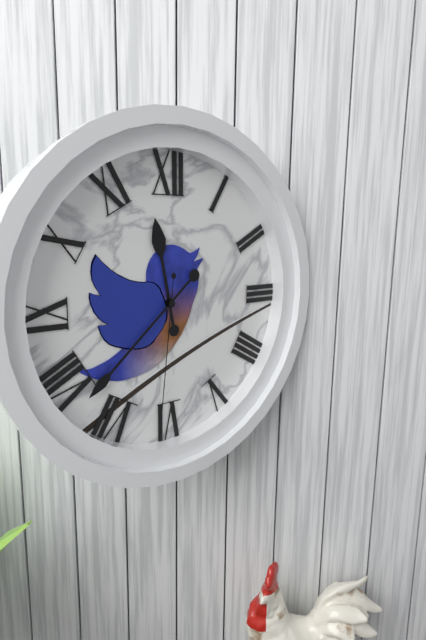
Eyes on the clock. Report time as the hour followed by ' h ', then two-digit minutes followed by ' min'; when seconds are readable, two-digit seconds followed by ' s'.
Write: 11 h 38 min 31 s
